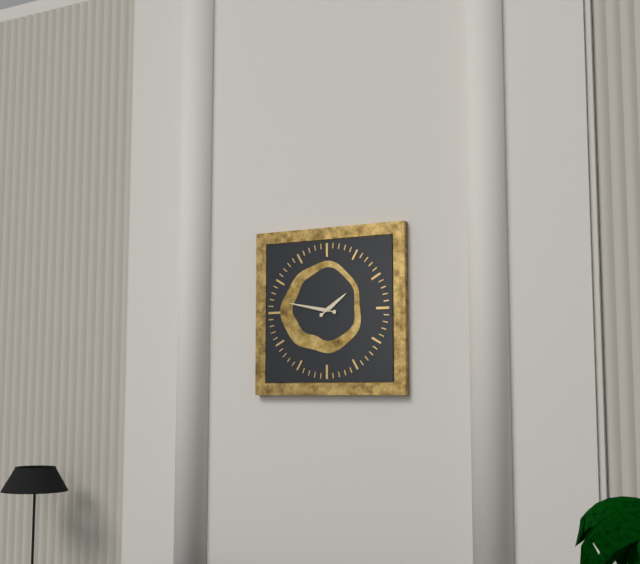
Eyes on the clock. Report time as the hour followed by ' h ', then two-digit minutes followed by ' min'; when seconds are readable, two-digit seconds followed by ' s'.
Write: 1 h 47 min
